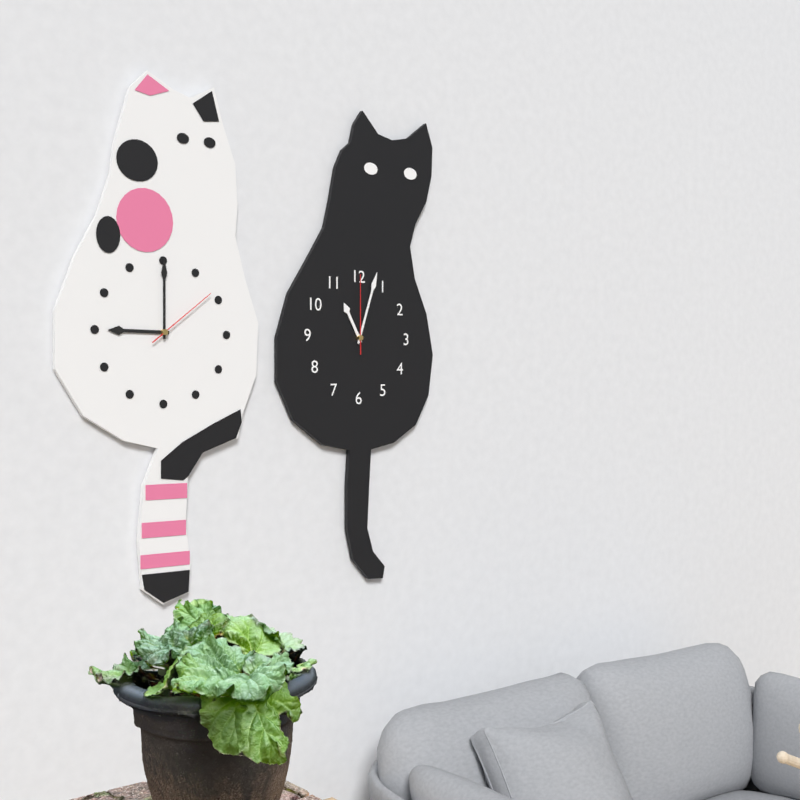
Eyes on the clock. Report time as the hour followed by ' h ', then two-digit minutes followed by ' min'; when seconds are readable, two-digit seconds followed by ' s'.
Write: 11 h 03 min 00 s
